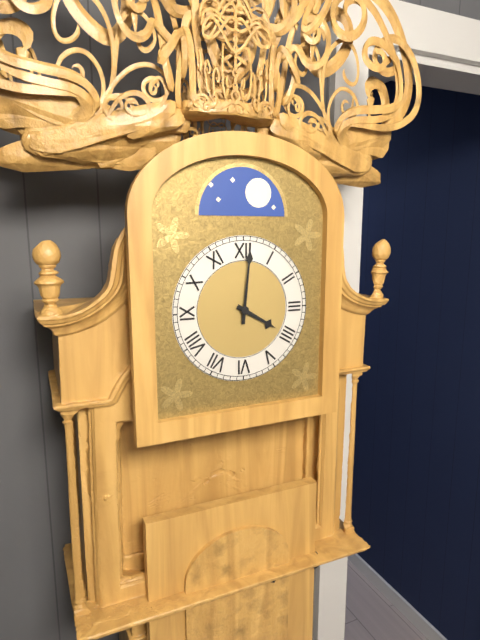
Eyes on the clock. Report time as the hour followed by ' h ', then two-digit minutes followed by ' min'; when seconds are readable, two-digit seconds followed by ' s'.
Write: 4 h 01 min
